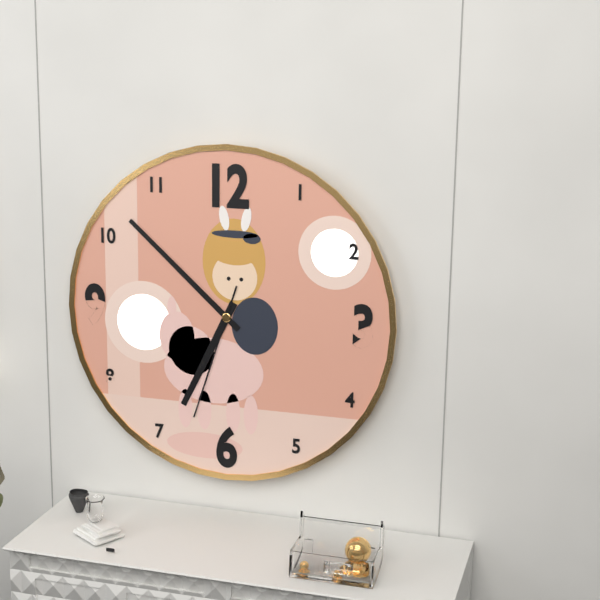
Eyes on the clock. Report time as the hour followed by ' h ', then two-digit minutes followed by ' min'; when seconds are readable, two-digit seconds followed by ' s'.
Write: 6 h 52 min 33 s
